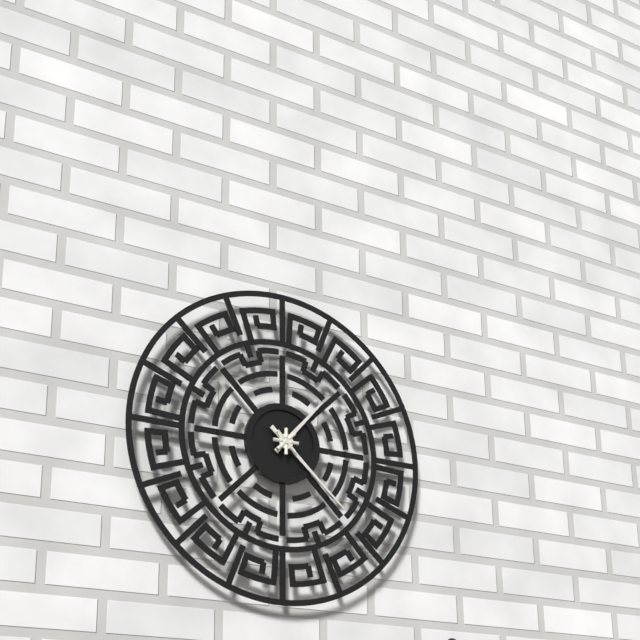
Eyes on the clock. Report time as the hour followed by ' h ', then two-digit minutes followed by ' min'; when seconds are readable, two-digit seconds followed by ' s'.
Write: 1 h 22 min
